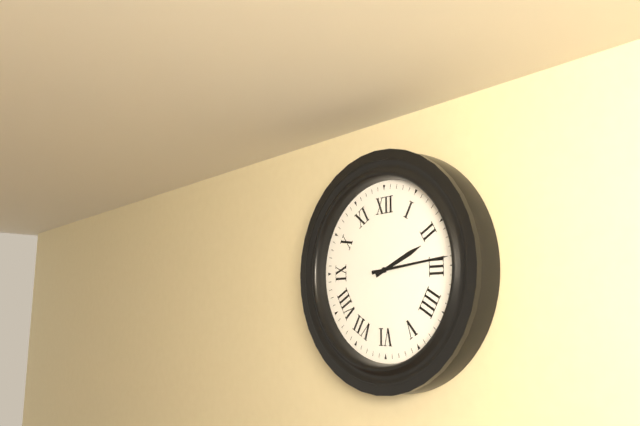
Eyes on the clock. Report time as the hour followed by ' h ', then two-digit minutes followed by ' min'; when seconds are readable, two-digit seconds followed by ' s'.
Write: 2 h 14 min
